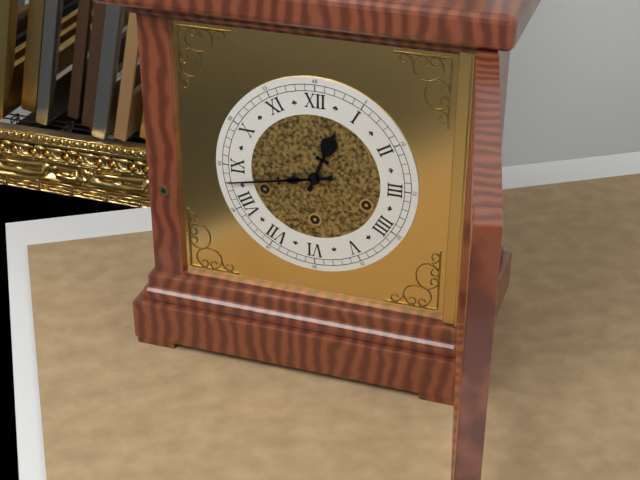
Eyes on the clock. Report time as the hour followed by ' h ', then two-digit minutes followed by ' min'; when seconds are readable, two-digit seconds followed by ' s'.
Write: 12 h 43 min
